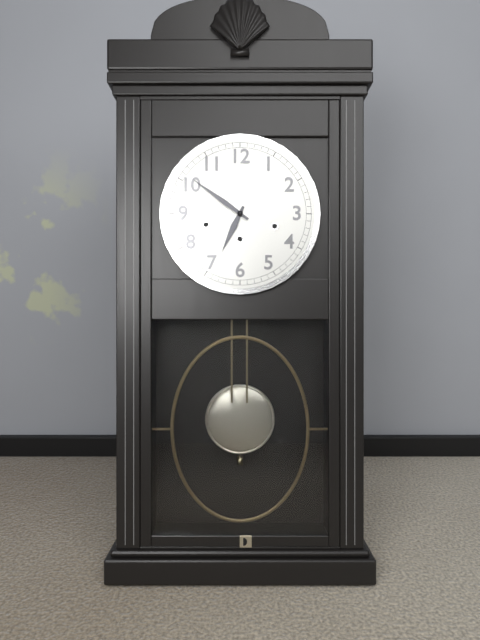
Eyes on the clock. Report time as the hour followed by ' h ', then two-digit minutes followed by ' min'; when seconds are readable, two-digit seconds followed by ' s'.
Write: 6 h 51 min
